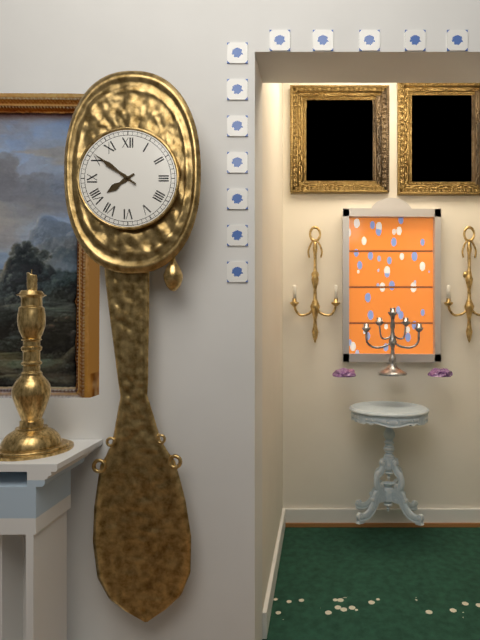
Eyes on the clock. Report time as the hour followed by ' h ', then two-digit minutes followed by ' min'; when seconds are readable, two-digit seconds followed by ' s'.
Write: 7 h 51 min
